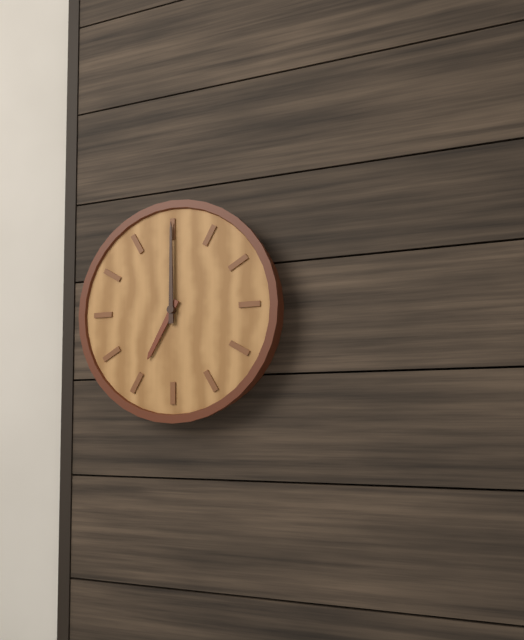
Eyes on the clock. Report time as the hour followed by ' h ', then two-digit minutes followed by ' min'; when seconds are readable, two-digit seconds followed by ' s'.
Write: 7 h 00 min
